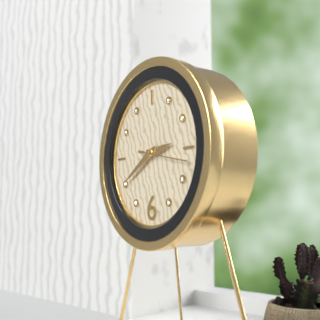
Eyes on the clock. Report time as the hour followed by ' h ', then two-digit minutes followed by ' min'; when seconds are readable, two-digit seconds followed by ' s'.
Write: 2 h 40 min
